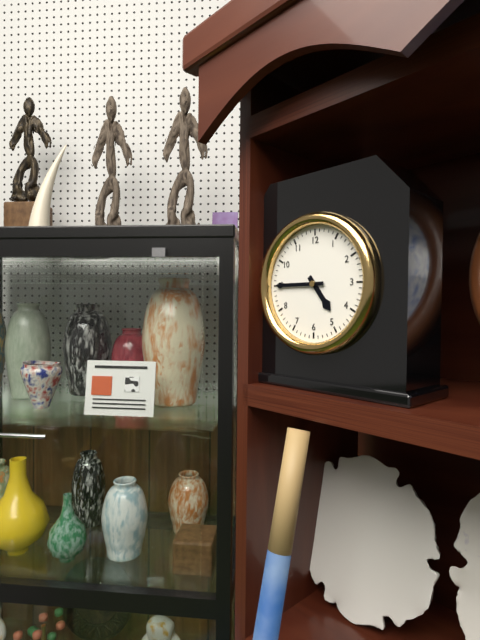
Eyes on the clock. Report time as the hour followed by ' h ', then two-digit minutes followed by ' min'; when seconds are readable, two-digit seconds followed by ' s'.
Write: 4 h 45 min
